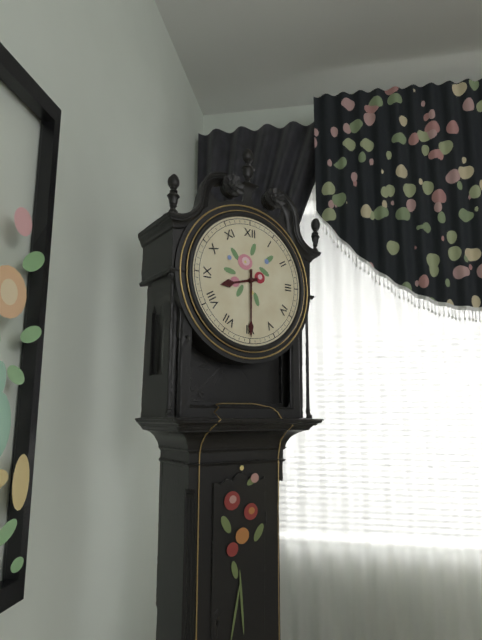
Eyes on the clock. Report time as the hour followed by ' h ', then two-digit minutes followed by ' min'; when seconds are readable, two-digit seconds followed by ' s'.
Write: 8 h 30 min
